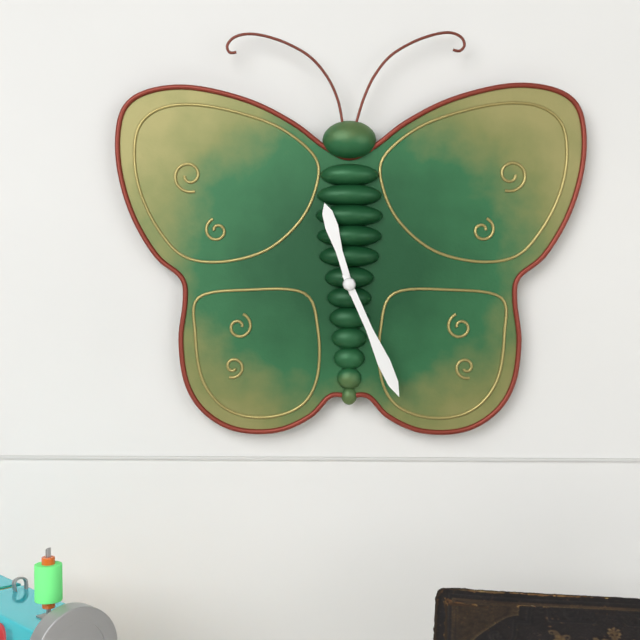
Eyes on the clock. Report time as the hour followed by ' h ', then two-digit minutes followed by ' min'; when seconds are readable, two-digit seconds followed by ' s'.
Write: 11 h 26 min
